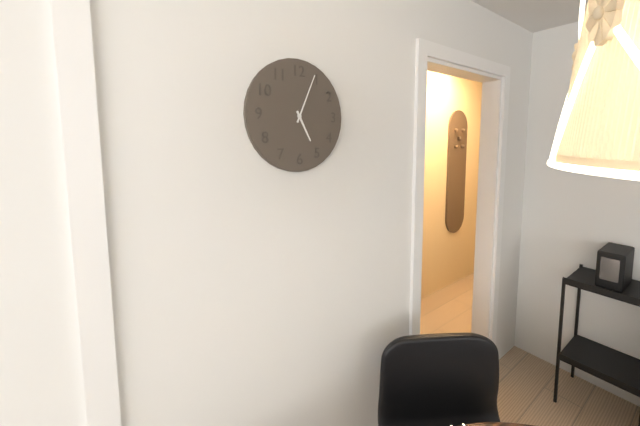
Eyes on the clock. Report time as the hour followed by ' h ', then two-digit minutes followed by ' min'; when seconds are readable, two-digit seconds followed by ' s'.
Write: 5 h 04 min
